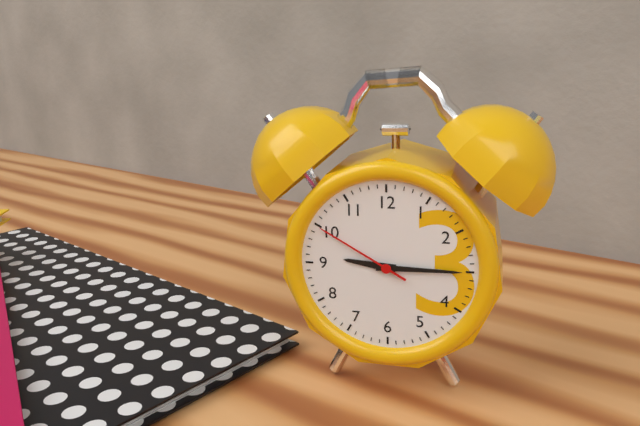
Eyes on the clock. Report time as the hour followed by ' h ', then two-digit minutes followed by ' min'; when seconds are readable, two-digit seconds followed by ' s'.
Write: 9 h 15 min 50 s
